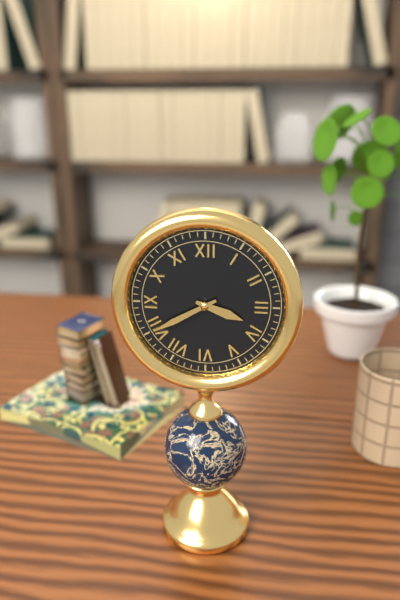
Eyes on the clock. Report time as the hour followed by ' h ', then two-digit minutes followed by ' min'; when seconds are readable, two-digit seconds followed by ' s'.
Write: 3 h 40 min
